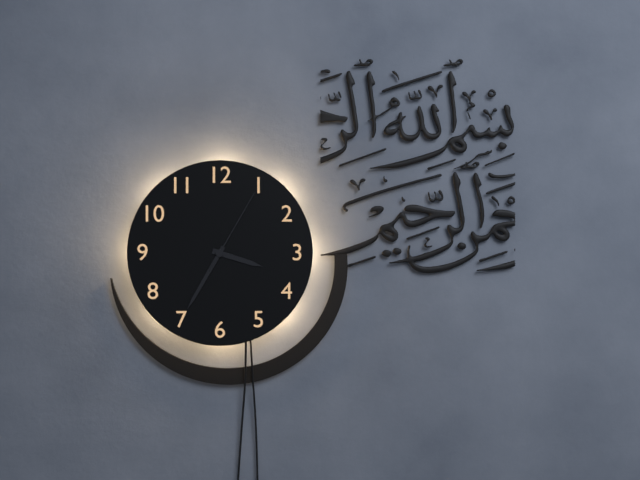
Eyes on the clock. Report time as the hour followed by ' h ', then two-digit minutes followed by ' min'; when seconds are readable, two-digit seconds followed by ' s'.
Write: 3 h 35 min 05 s
